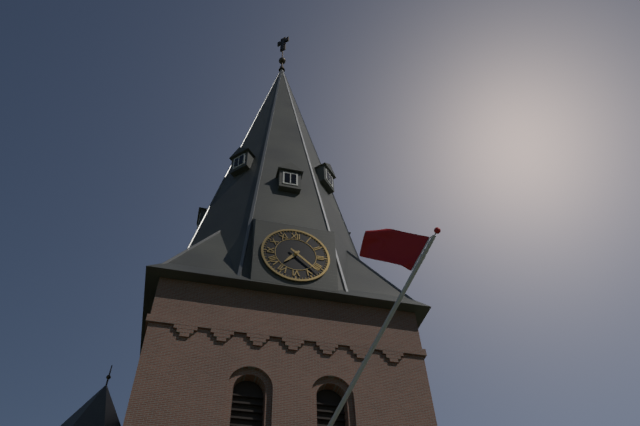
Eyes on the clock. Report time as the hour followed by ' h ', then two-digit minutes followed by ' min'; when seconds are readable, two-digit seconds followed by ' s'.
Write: 7 h 22 min
